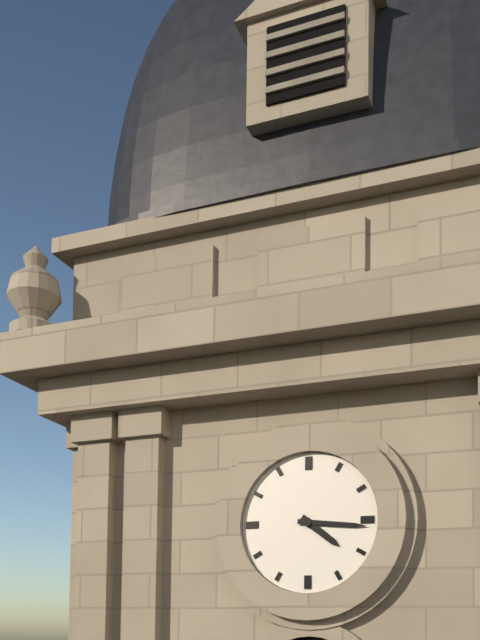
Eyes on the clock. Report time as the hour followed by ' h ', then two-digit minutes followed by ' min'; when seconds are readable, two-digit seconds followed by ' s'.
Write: 4 h 16 min
